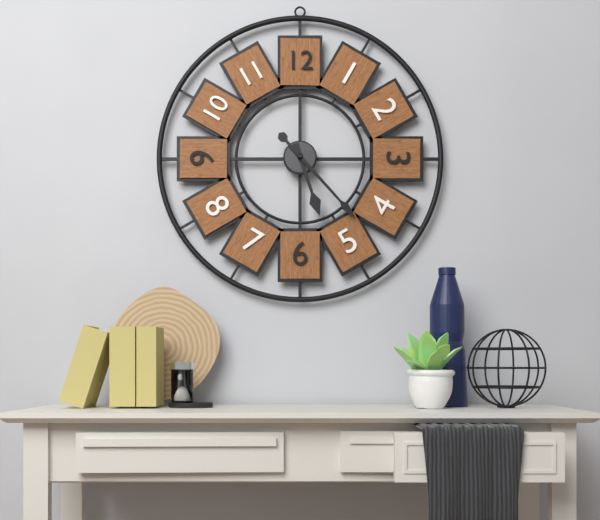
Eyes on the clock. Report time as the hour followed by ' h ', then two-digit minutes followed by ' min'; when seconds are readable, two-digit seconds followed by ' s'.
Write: 5 h 23 min
